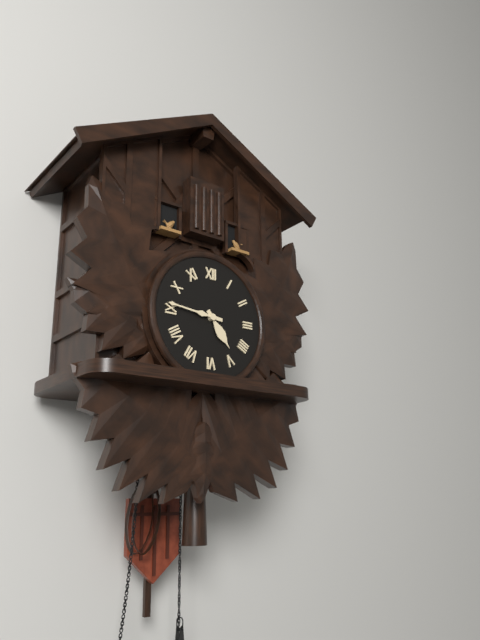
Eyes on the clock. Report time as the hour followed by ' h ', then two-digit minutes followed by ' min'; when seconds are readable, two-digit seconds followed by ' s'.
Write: 4 h 46 min
